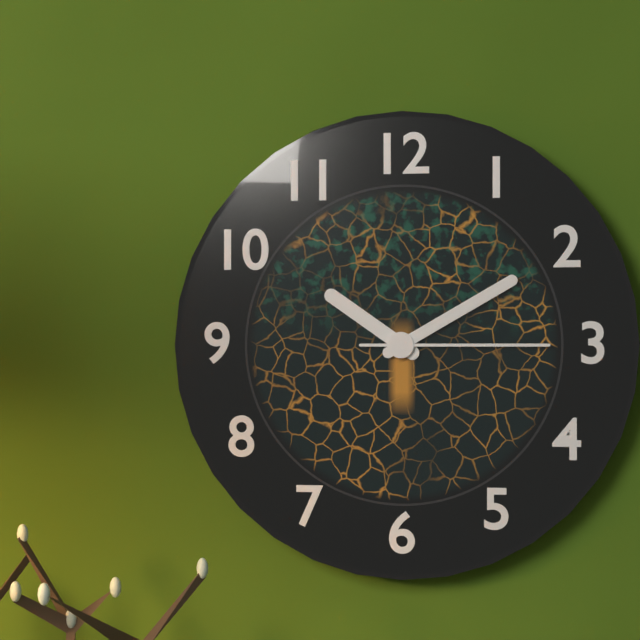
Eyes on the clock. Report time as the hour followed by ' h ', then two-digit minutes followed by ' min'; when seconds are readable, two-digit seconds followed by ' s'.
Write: 10 h 10 min 15 s
